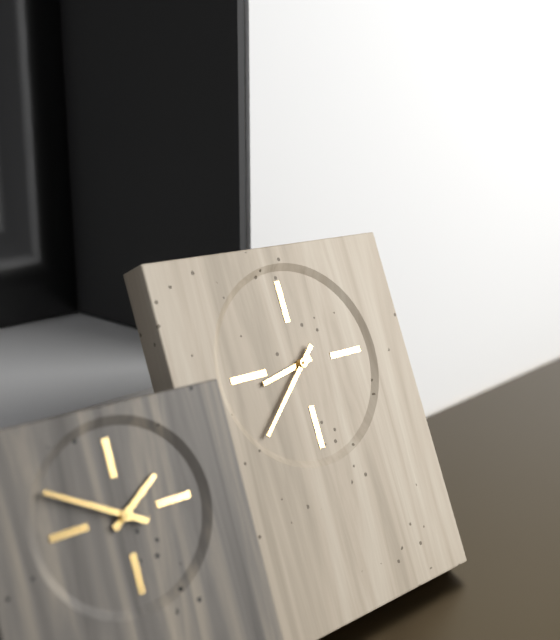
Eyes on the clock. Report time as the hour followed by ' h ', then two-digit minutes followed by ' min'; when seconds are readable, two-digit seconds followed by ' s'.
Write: 8 h 38 min
